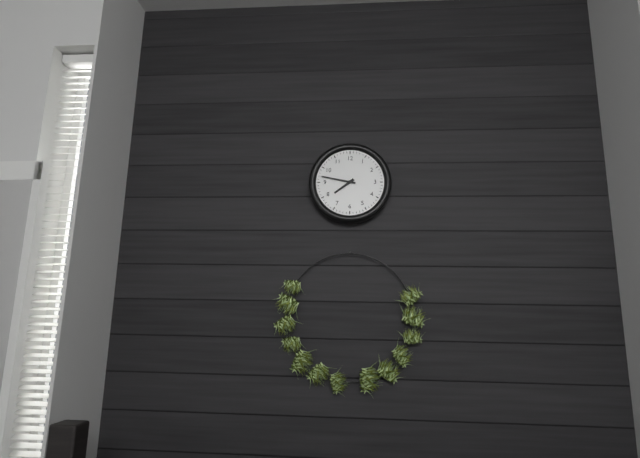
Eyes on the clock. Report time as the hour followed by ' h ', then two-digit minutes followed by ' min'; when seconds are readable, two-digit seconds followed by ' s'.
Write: 7 h 47 min
